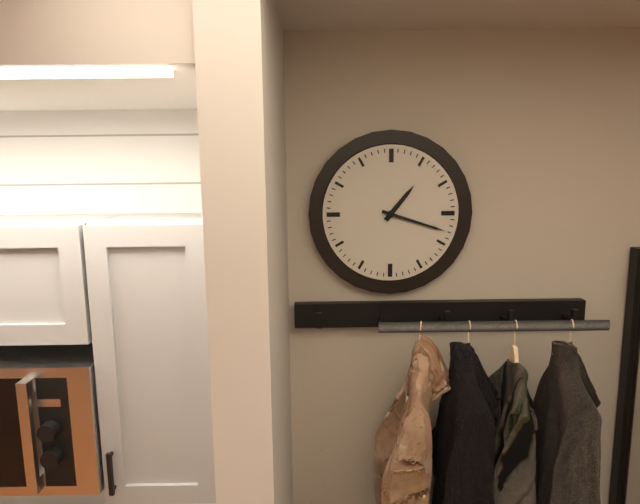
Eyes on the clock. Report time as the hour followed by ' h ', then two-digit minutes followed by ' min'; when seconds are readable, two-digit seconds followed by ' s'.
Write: 1 h 18 min
